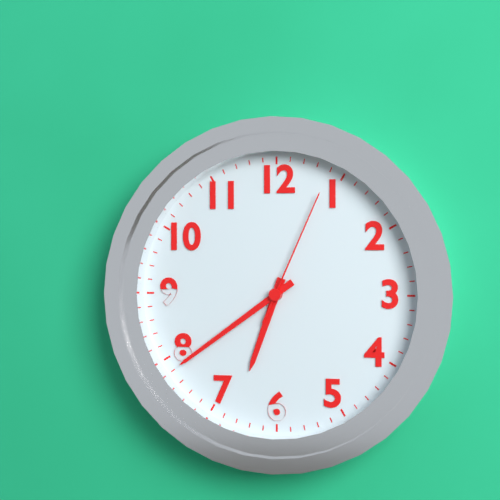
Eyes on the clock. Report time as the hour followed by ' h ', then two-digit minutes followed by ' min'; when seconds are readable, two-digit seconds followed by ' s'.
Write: 6 h 39 min 04 s
